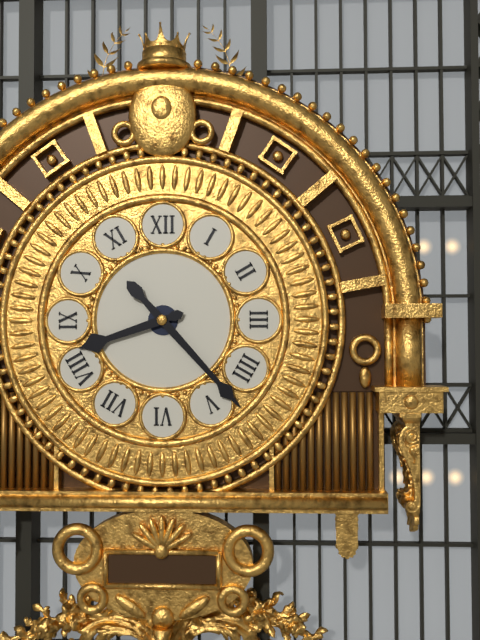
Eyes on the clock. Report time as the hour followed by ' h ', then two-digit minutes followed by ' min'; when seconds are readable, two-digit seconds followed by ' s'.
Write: 8 h 23 min
